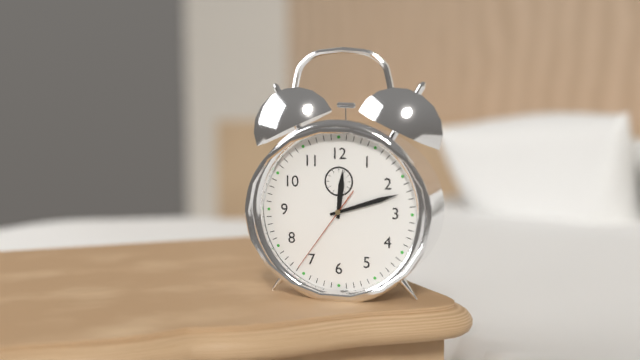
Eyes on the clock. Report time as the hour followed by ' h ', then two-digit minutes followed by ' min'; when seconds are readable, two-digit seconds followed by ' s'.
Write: 12 h 12 min 36 s
